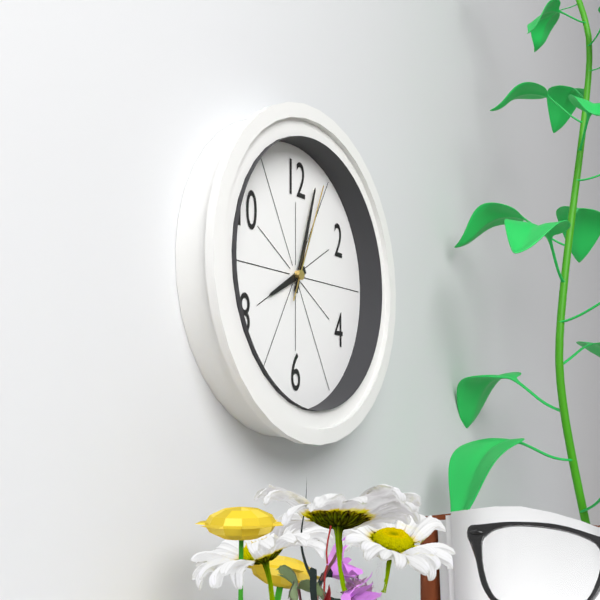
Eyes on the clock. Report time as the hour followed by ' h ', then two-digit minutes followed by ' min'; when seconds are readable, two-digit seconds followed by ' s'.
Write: 8 h 03 min 04 s
